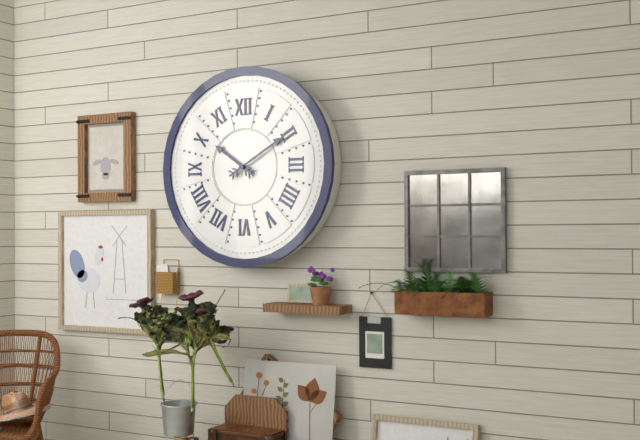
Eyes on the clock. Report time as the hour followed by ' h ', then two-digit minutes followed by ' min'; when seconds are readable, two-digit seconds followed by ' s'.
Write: 10 h 10 min
